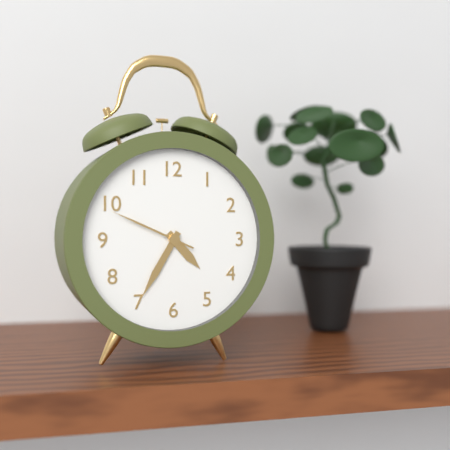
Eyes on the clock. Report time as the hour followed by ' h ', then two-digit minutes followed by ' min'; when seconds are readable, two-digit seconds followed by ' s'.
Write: 4 h 35 min 49 s
